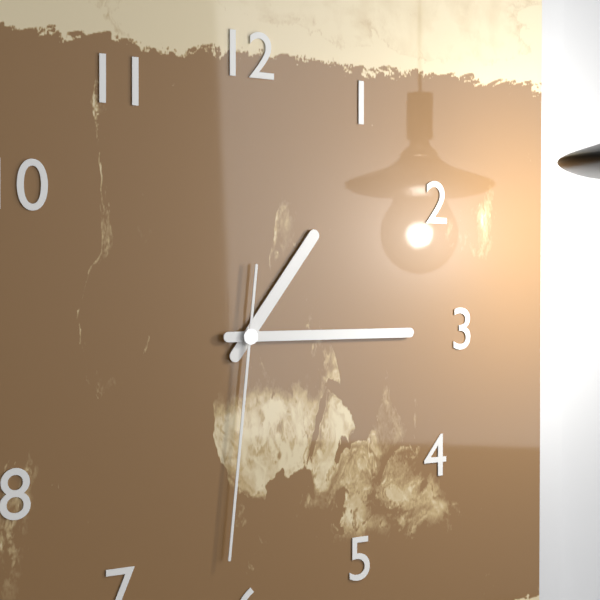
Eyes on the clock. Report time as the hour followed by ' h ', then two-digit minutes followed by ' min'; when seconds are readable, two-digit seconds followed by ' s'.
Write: 1 h 15 min 31 s
